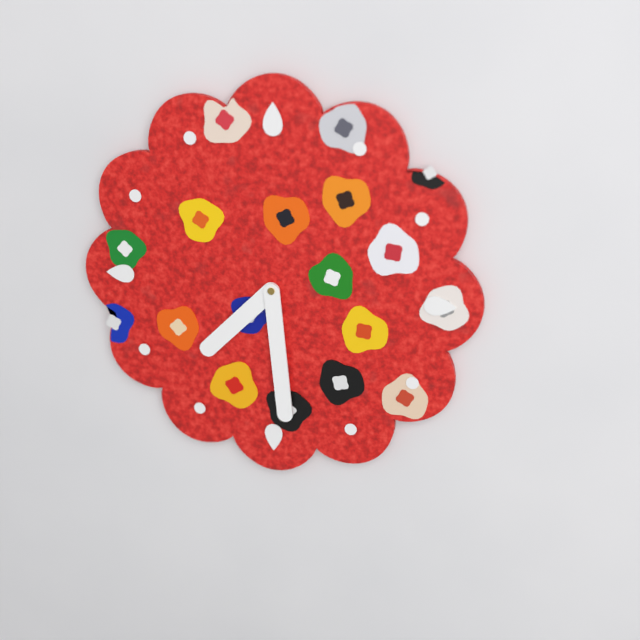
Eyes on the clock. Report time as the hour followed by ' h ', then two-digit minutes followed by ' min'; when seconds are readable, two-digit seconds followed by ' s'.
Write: 7 h 29 min
